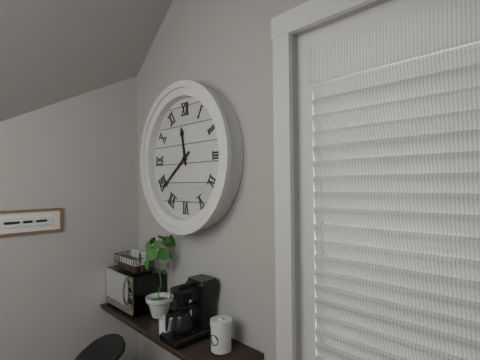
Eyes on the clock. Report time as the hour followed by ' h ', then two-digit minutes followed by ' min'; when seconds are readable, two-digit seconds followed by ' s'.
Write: 11 h 39 min
